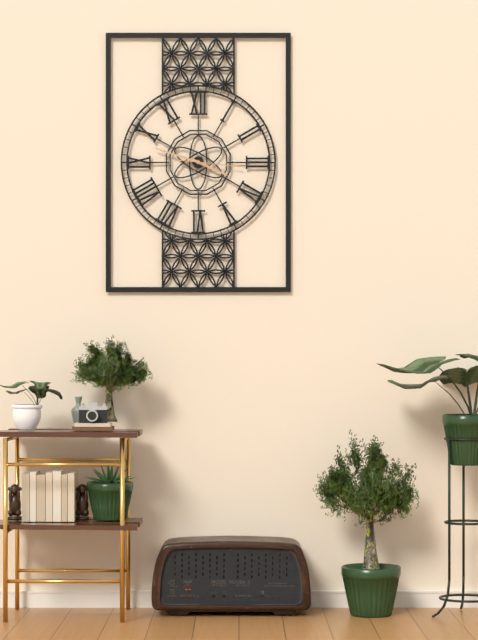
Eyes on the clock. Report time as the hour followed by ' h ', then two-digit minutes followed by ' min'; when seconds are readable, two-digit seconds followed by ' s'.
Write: 3 h 48 min 16 s
